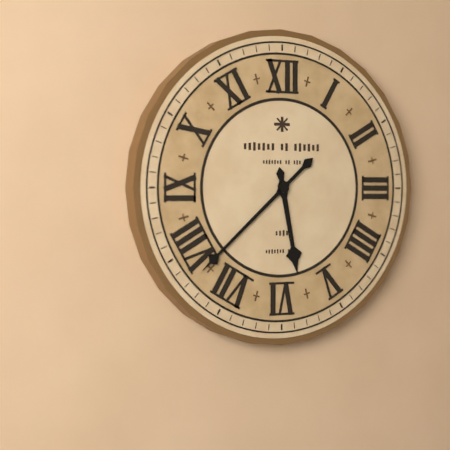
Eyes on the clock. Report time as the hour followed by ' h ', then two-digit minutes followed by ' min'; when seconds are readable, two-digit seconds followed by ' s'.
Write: 5 h 38 min
